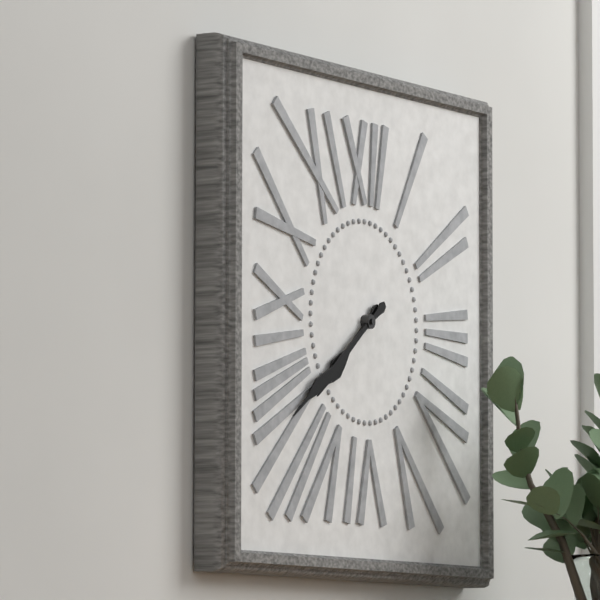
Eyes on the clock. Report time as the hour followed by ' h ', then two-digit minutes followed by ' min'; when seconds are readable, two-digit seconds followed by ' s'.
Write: 7 h 39 min
